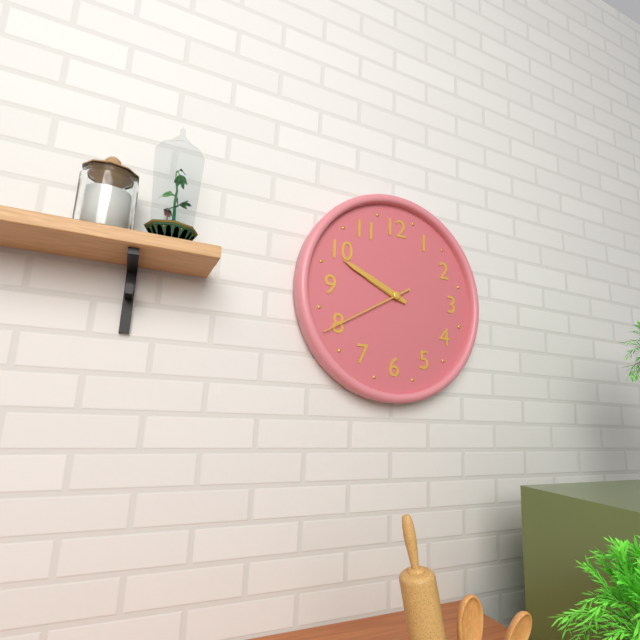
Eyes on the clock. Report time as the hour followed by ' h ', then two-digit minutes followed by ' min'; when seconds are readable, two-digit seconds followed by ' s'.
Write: 9 h 49 min 40 s
